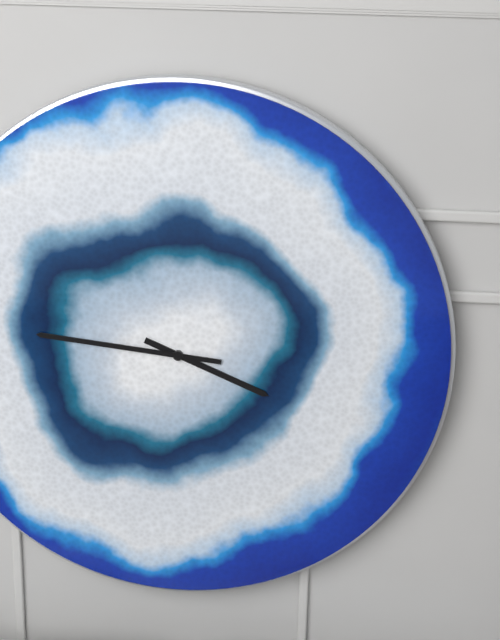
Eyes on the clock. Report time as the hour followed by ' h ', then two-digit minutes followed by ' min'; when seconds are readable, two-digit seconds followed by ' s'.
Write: 3 h 46 min
